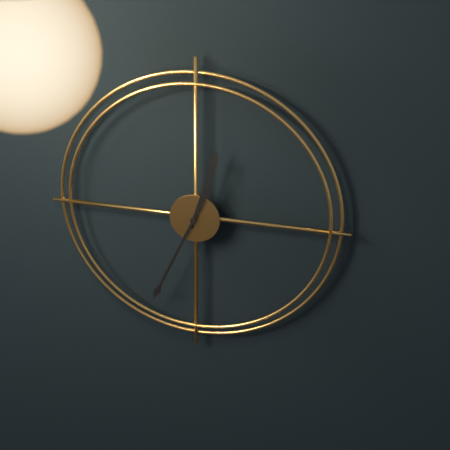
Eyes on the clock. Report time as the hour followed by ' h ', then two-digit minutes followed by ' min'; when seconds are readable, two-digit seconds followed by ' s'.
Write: 12 h 34 min
